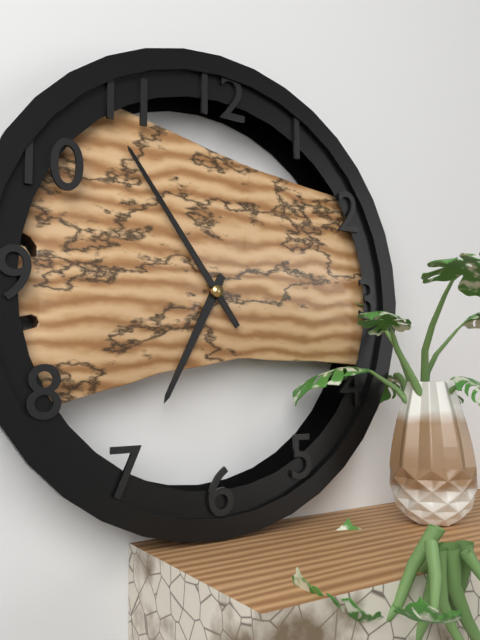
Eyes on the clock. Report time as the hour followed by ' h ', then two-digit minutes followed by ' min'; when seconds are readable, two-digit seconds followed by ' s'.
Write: 6 h 54 min
